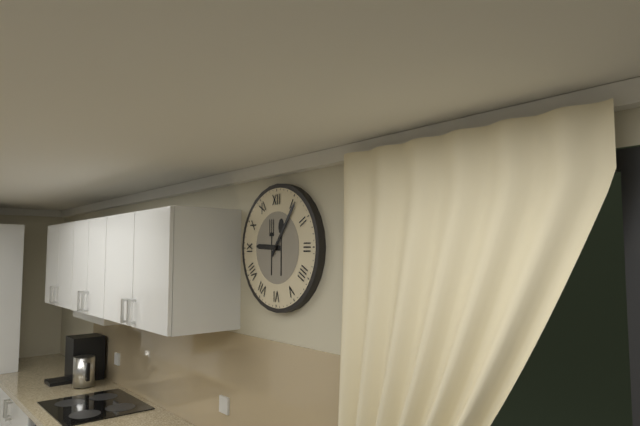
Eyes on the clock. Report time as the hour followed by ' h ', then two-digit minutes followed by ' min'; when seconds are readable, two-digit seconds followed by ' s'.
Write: 9 h 06 min
